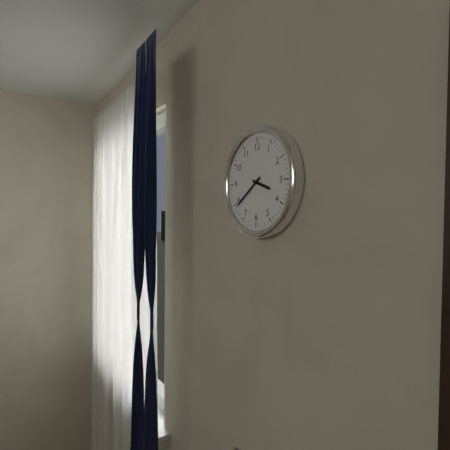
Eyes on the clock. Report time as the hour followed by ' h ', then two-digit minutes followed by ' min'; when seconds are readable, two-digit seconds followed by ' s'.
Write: 3 h 39 min
